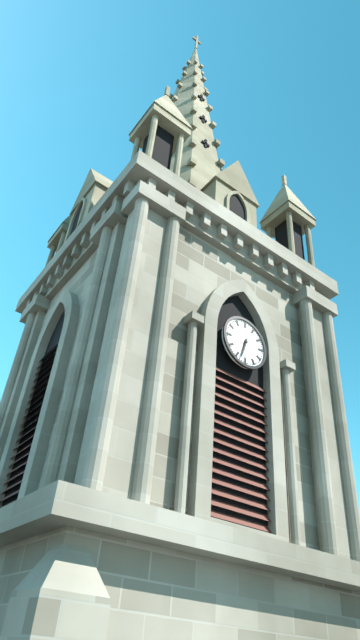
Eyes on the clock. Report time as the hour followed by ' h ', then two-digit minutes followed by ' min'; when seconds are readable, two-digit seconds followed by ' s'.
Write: 6 h 33 min
